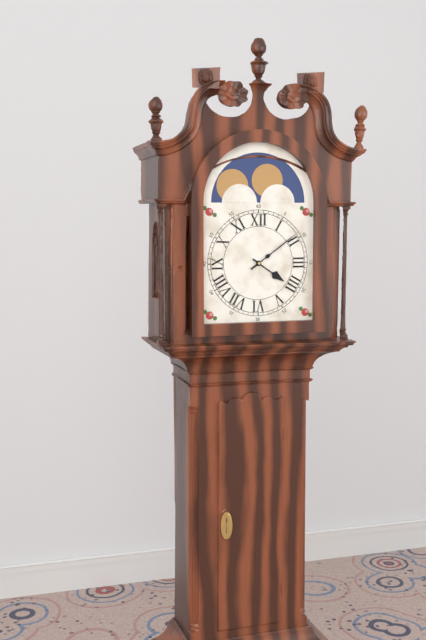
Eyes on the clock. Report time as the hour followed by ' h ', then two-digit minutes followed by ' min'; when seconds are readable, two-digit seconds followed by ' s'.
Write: 4 h 09 min
